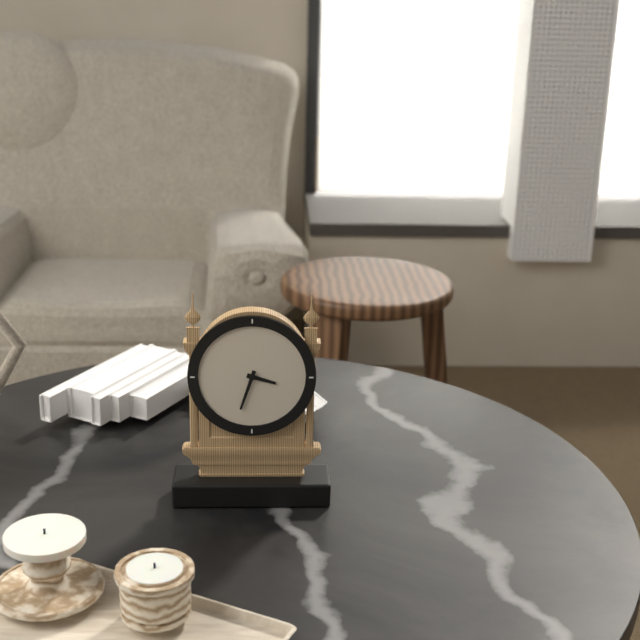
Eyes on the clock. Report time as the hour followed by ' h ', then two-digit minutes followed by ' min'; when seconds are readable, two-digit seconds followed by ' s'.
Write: 3 h 33 min
